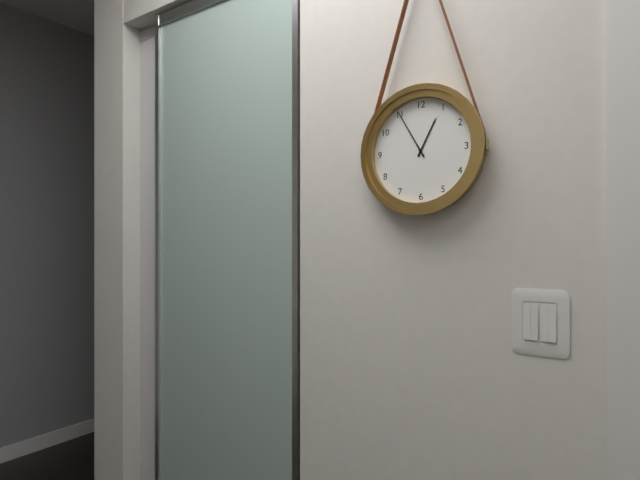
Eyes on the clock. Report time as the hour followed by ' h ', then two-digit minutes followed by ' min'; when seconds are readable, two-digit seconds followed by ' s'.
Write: 12 h 55 min
